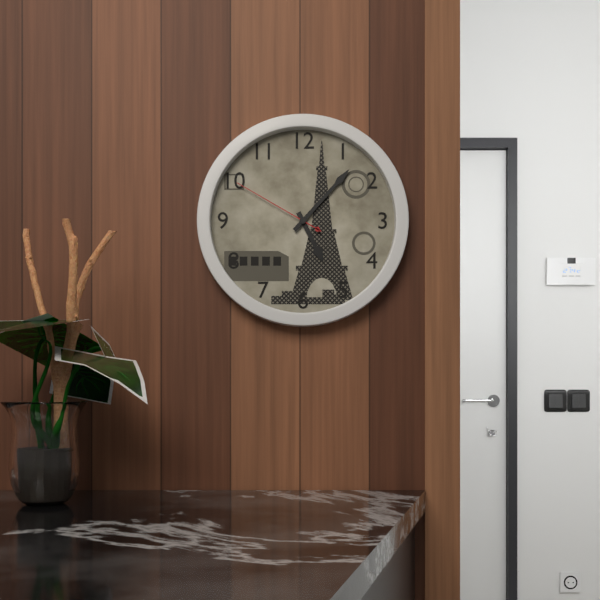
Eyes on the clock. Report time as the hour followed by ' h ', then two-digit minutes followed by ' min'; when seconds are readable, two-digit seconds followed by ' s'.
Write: 5 h 07 min 50 s
